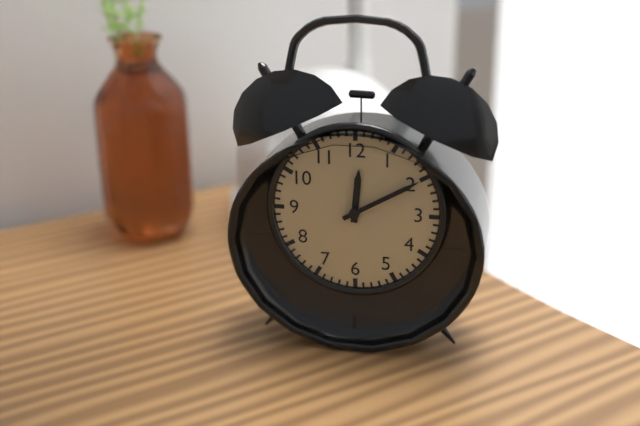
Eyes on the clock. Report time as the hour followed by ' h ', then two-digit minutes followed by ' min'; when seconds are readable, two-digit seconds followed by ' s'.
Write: 12 h 10 min
